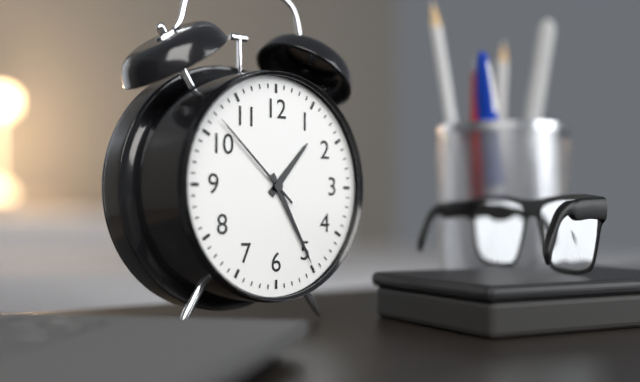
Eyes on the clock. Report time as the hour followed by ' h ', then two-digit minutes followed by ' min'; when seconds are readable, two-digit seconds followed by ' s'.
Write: 1 h 25 min 52 s
